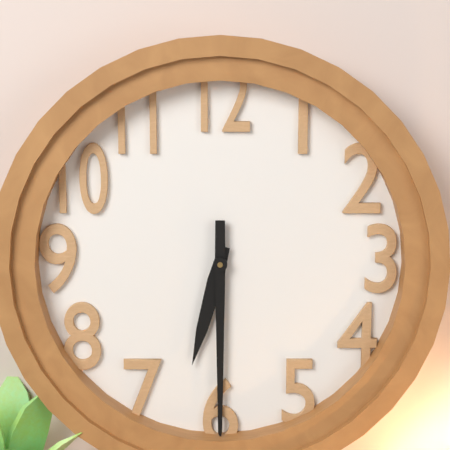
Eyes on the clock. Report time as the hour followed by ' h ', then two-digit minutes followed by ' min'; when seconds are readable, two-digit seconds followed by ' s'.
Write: 6 h 30 min
